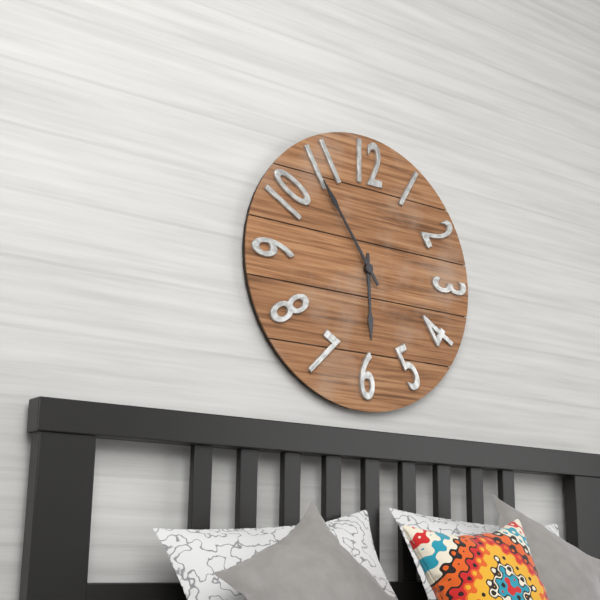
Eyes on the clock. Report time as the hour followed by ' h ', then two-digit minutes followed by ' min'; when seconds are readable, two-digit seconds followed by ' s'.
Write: 5 h 54 min
